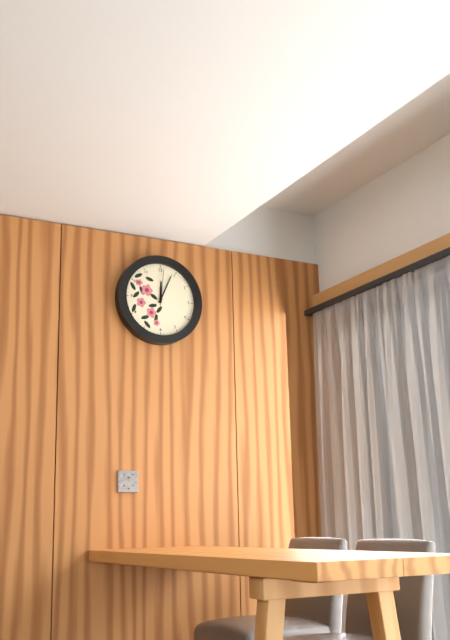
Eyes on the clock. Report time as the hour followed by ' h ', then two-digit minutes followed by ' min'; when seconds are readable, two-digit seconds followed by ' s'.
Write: 12 h 04 min
